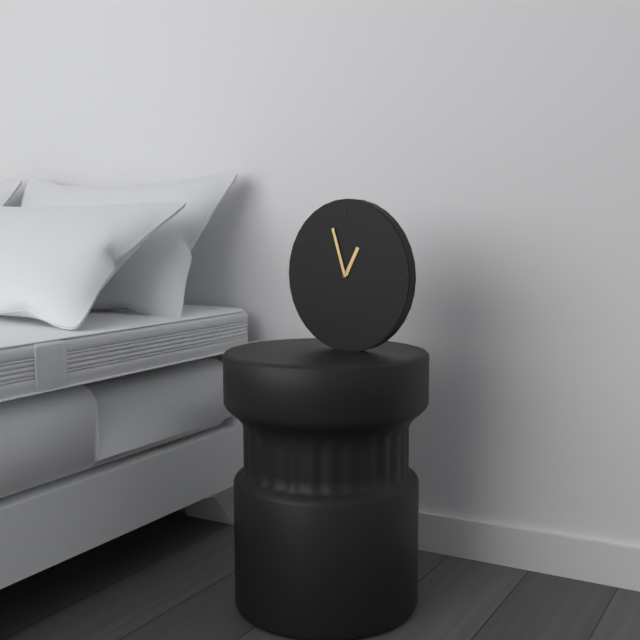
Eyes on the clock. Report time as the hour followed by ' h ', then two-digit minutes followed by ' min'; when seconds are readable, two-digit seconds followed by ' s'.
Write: 12 h 57 min
